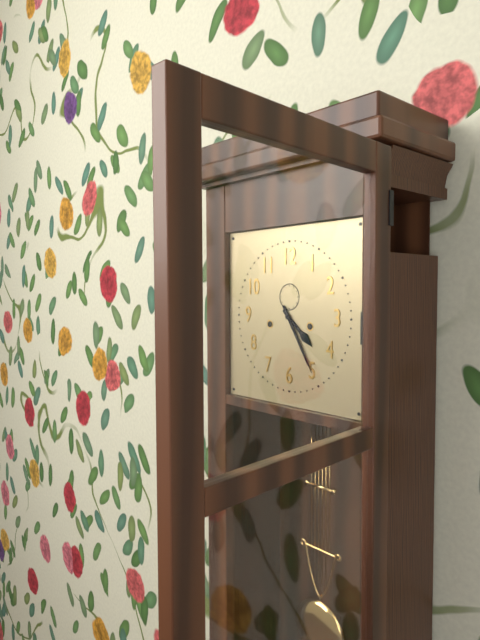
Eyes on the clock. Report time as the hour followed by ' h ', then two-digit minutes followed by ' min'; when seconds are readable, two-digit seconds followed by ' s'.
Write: 4 h 25 min
